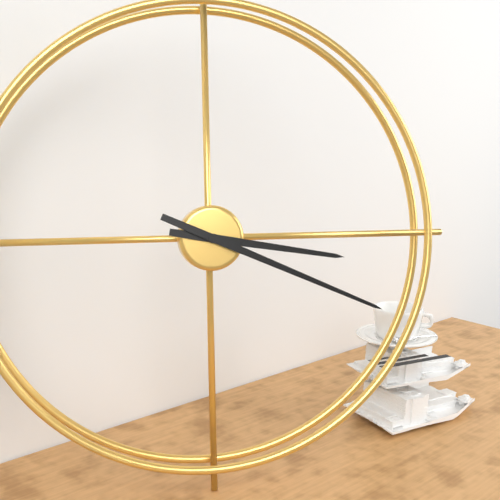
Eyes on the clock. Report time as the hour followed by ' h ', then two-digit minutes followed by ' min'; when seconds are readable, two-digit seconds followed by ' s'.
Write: 3 h 19 min
